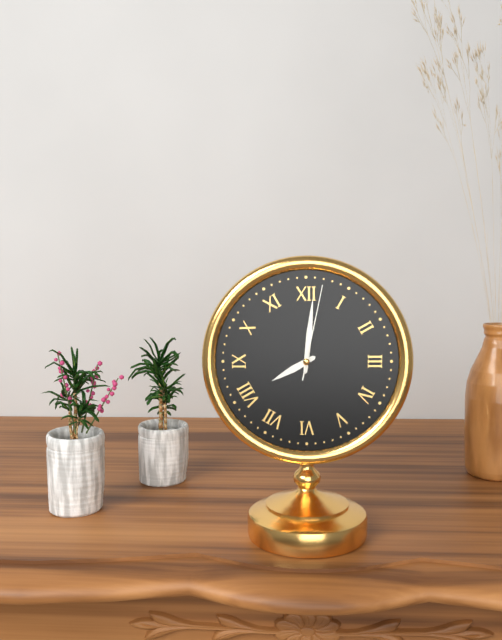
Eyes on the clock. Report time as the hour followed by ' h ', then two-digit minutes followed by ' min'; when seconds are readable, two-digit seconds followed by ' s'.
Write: 8 h 01 min 02 s
